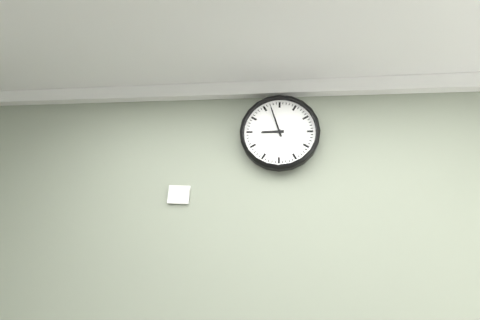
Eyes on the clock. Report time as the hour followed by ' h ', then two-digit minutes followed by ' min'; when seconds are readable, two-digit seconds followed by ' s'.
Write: 8 h 57 min
